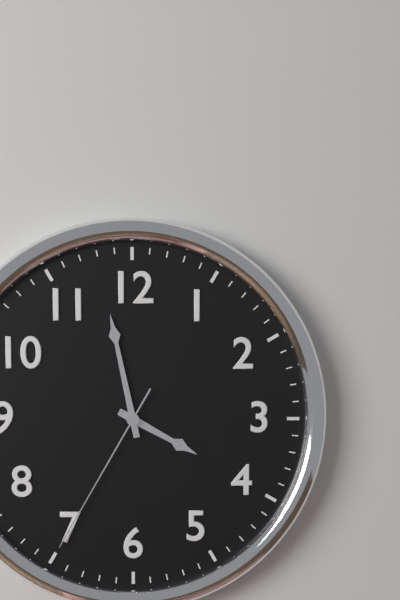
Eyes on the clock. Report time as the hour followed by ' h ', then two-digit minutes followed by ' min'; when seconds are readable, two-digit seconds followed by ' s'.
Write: 3 h 58 min 35 s
